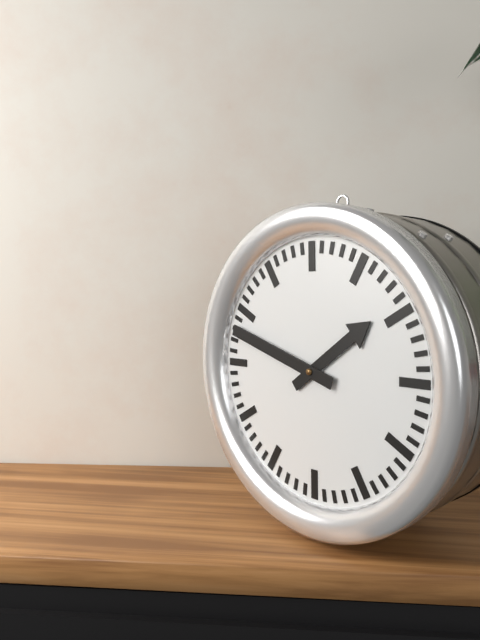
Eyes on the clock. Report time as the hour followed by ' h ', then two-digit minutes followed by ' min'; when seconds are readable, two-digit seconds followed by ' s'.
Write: 1 h 48 min
